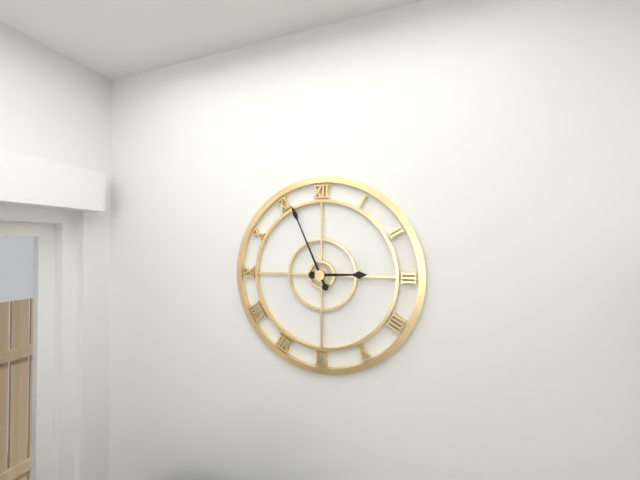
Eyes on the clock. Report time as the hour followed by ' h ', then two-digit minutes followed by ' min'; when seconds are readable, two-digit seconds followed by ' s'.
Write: 2 h 56 min
